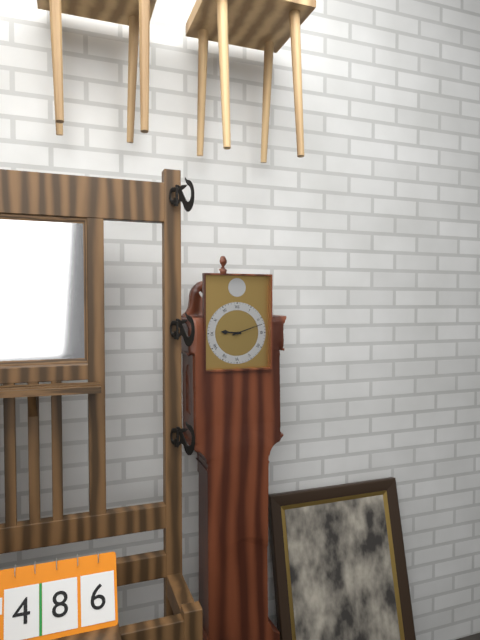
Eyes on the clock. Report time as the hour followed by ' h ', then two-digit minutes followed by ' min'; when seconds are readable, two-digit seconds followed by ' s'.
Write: 9 h 12 min
